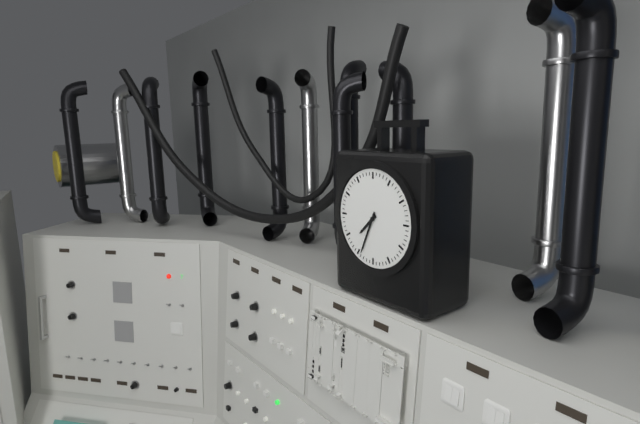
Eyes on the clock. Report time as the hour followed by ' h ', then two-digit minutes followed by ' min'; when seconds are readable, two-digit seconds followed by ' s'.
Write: 7 h 34 min
